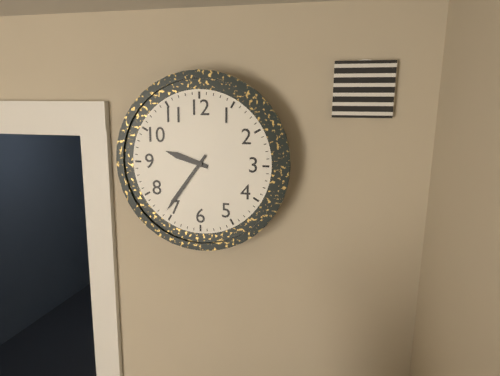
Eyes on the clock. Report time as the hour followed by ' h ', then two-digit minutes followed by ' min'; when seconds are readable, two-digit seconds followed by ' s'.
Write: 9 h 36 min
